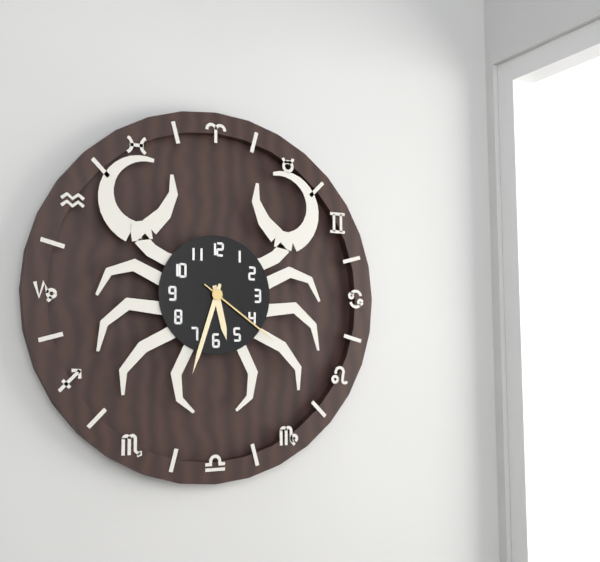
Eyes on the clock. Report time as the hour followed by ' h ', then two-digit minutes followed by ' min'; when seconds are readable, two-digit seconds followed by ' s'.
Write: 5 h 33 min 21 s
